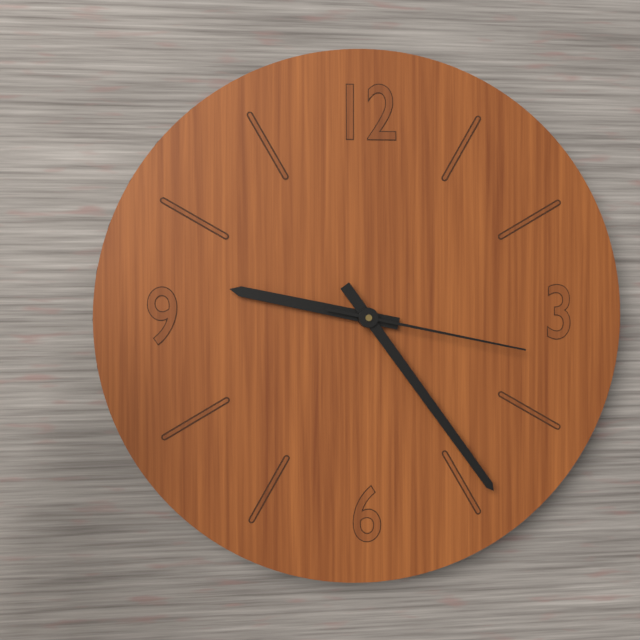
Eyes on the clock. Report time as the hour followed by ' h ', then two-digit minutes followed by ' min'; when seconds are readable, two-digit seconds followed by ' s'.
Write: 9 h 24 min 17 s
